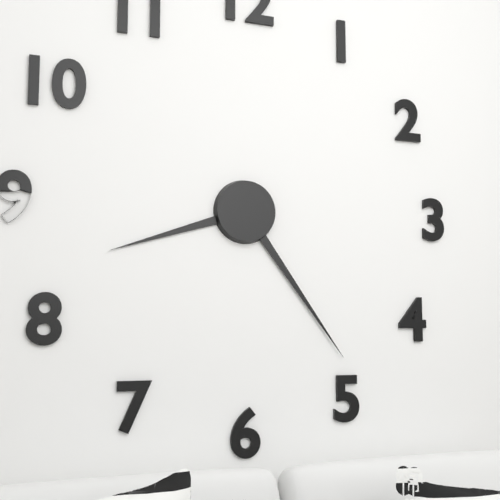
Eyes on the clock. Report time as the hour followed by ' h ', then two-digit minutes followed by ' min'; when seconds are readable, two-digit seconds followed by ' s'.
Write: 8 h 24 min
